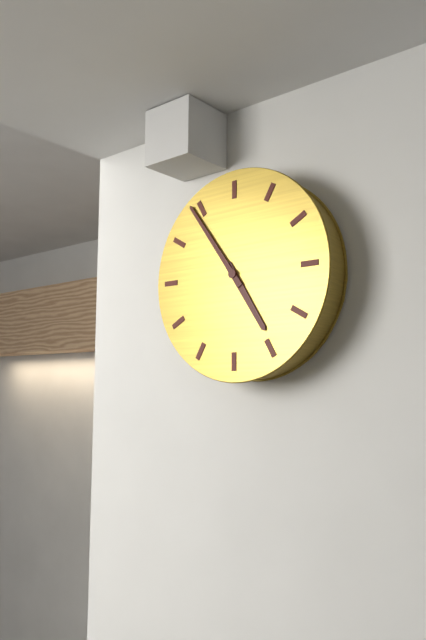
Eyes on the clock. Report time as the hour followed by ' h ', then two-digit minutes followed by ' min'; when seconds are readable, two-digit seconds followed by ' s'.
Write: 4 h 54 min
